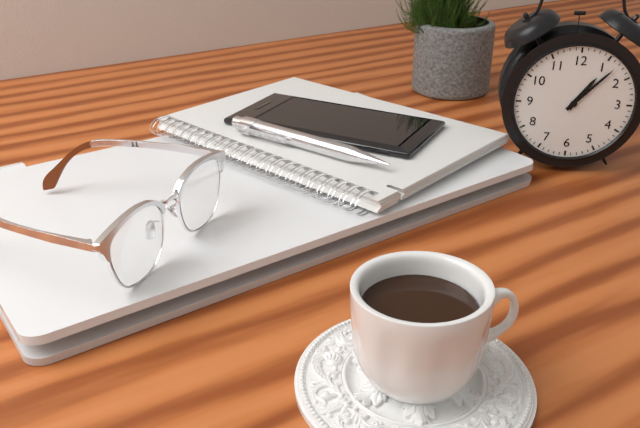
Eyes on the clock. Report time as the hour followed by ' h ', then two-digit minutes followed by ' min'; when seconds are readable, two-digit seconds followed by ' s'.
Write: 1 h 07 min
